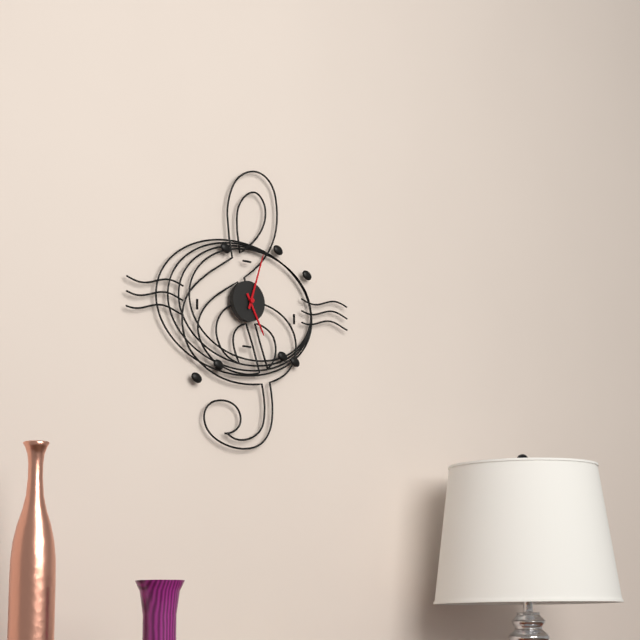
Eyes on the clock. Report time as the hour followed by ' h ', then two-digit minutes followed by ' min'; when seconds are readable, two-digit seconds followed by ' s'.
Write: 5 h 03 min
